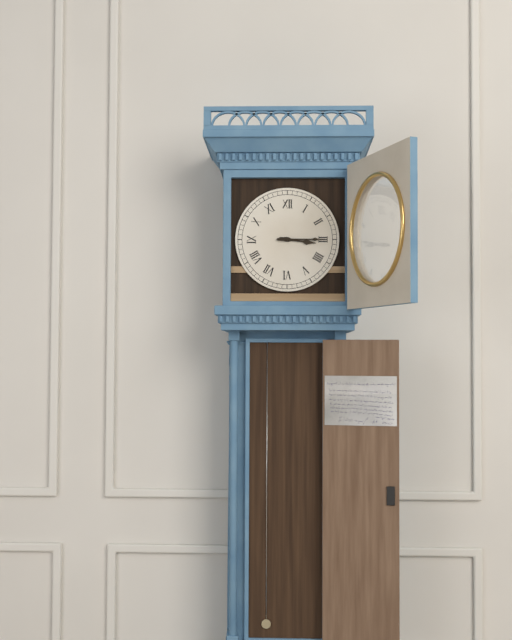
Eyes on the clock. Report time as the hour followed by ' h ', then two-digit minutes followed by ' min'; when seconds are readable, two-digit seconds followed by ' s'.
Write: 3 h 15 min
